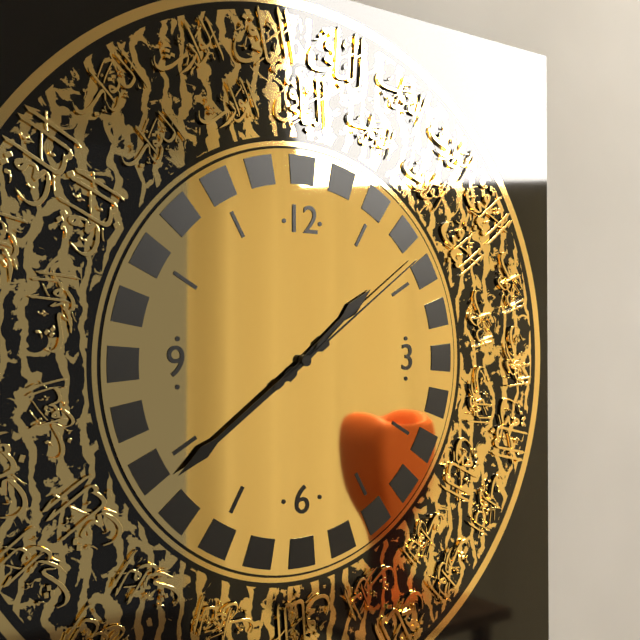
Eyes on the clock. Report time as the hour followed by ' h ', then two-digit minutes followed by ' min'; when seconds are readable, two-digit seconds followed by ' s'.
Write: 1 h 39 min 09 s
